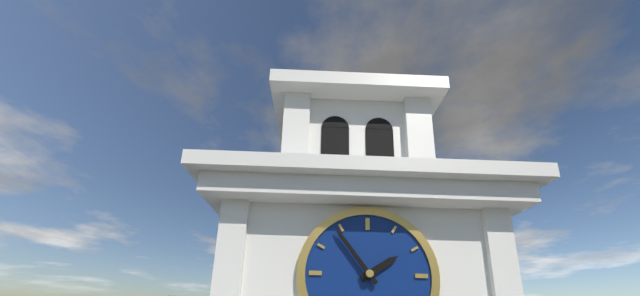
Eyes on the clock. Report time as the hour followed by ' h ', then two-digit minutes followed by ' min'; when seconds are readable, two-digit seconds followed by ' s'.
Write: 1 h 54 min
